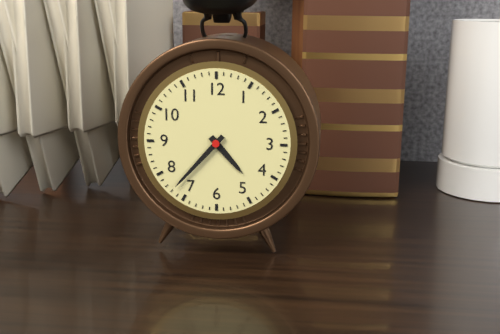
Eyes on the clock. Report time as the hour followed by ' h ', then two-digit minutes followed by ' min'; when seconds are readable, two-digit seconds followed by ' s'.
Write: 4 h 37 min
